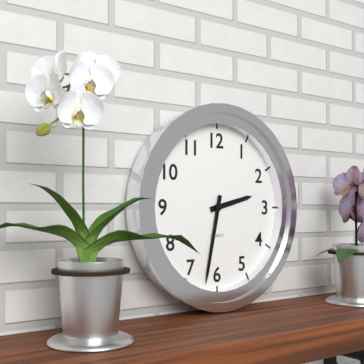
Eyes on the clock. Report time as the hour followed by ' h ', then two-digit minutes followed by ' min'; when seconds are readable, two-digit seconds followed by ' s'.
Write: 2 h 32 min
